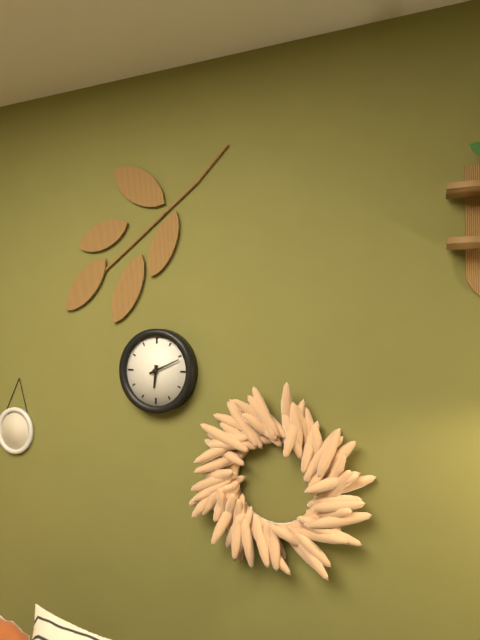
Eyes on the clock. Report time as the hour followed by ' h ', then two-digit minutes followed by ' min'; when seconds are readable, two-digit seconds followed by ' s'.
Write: 6 h 11 min
